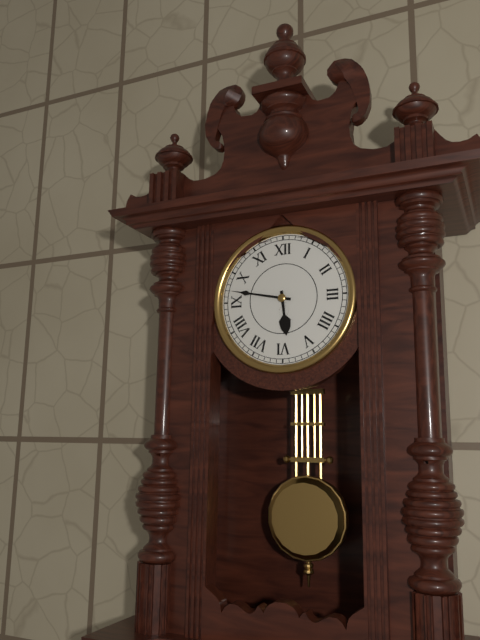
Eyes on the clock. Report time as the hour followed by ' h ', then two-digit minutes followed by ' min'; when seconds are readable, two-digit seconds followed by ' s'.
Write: 5 h 47 min
